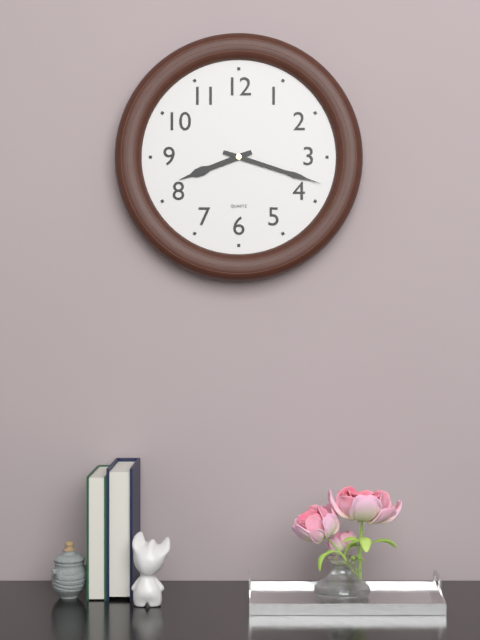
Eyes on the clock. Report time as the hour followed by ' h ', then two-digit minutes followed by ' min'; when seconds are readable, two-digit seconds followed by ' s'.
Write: 8 h 18 min
